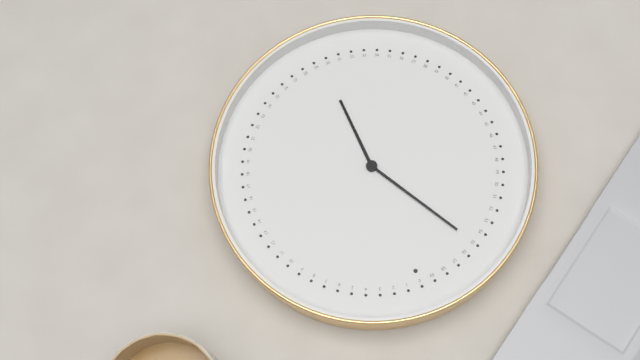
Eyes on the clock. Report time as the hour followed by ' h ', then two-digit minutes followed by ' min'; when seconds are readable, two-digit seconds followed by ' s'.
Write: 5 h 55 min
